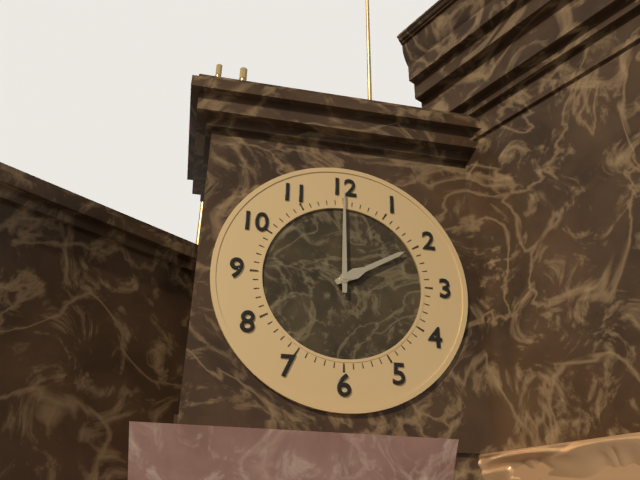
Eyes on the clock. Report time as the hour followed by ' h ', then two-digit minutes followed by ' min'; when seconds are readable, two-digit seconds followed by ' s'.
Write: 2 h 00 min
